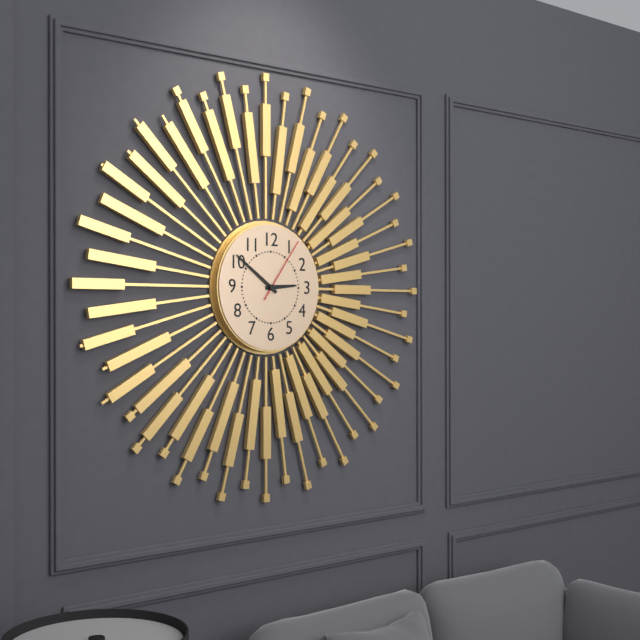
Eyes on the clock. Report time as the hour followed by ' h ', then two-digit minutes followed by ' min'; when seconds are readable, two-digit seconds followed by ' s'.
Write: 2 h 51 min 06 s
